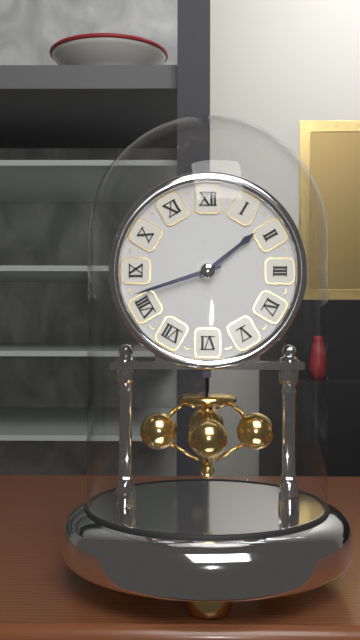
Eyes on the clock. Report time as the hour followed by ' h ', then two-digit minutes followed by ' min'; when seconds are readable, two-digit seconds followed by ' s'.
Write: 1 h 42 min
